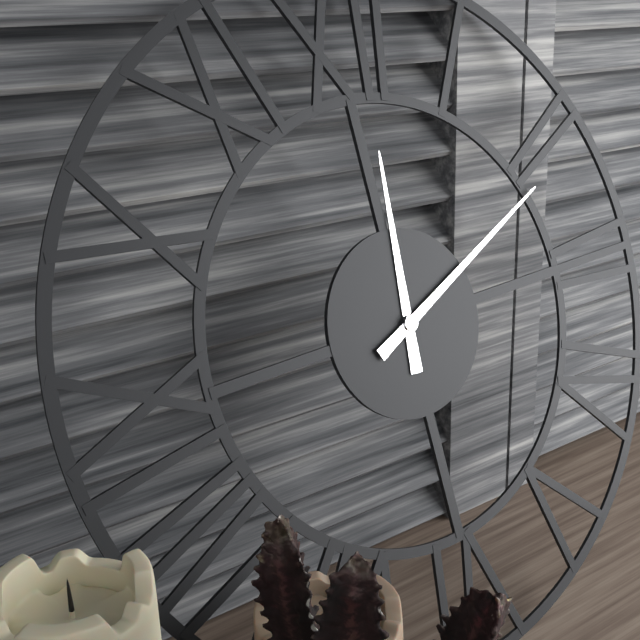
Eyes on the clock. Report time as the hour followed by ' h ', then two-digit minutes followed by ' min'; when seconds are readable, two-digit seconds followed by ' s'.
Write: 12 h 11 min
